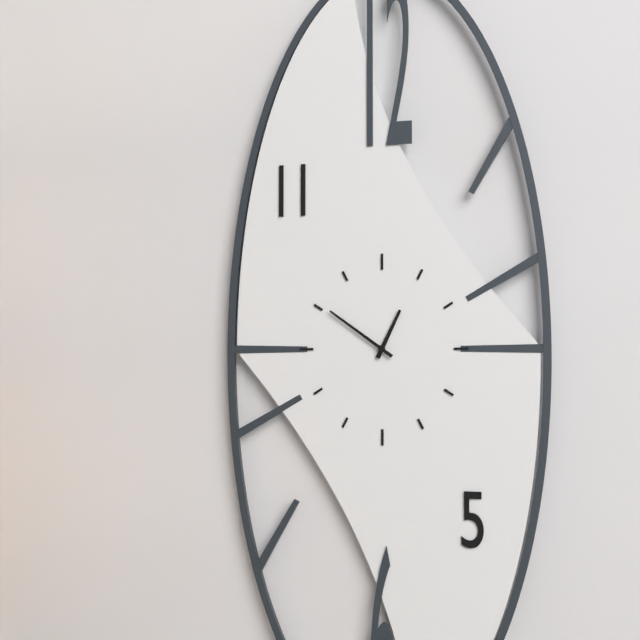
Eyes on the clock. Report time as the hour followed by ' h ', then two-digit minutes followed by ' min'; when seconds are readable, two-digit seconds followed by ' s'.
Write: 12 h 51 min
